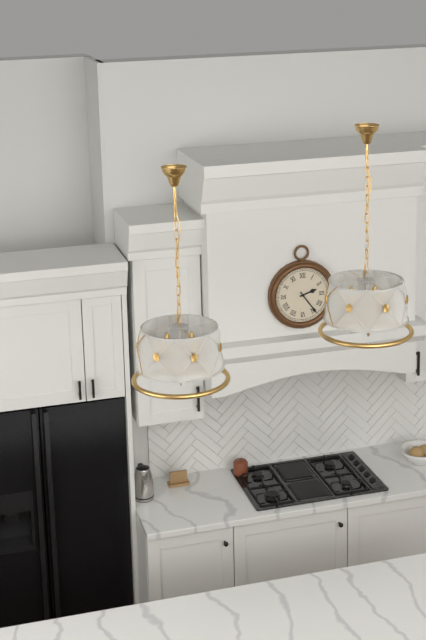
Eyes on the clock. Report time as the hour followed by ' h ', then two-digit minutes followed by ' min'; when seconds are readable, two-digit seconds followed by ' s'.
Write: 2 h 24 min
